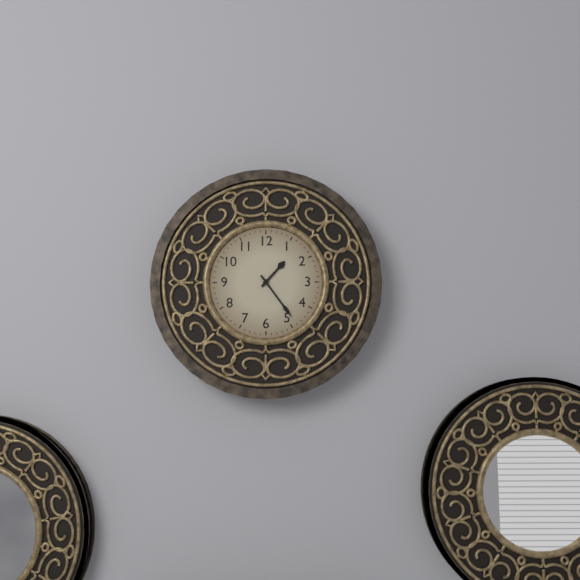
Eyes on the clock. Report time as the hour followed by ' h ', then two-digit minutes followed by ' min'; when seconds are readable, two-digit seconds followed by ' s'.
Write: 1 h 24 min
